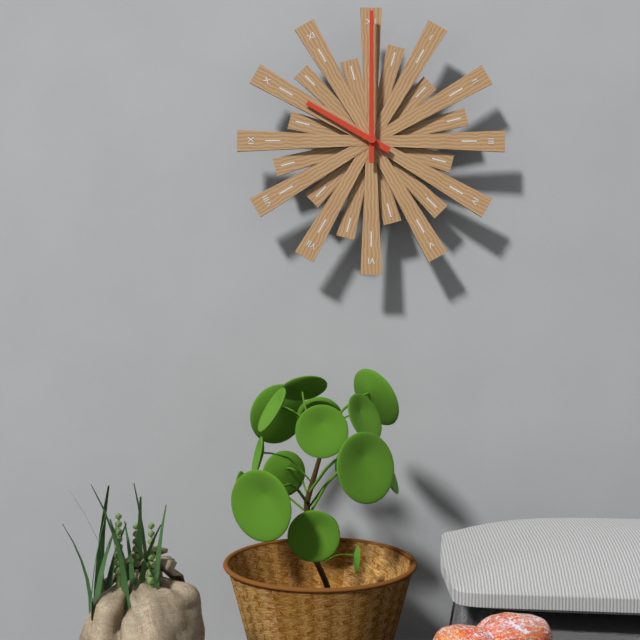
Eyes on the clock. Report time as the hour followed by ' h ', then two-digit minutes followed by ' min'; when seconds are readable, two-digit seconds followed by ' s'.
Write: 10 h 00 min
